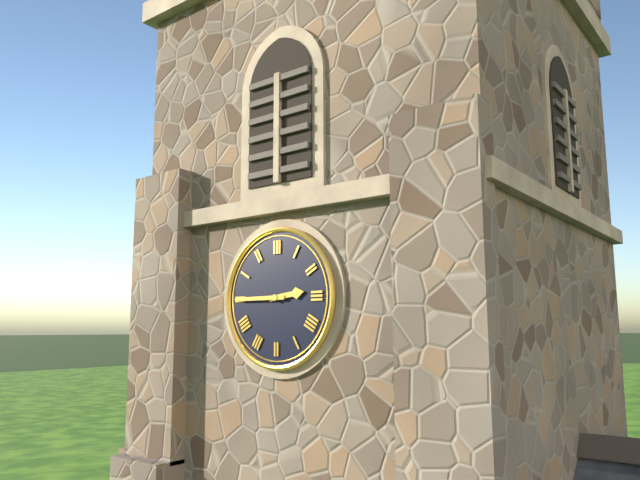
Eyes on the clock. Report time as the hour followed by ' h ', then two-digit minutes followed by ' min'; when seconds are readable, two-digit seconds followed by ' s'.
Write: 2 h 45 min
